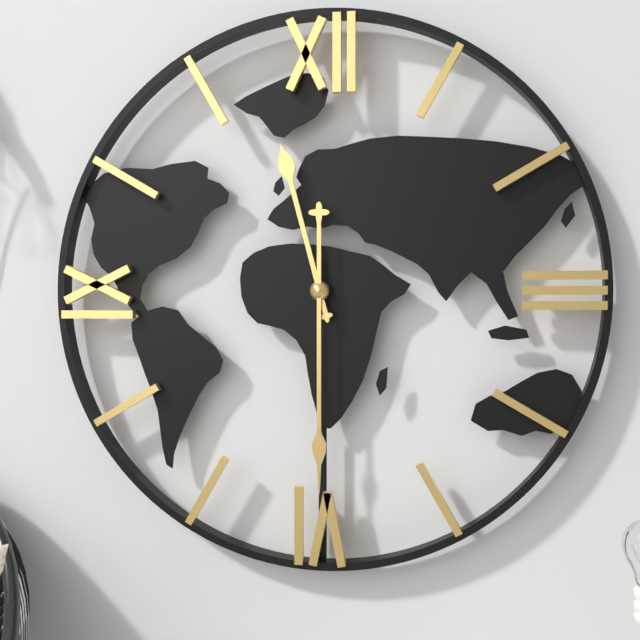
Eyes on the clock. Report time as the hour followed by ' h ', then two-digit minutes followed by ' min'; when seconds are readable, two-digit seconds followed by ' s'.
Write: 11 h 30 min
